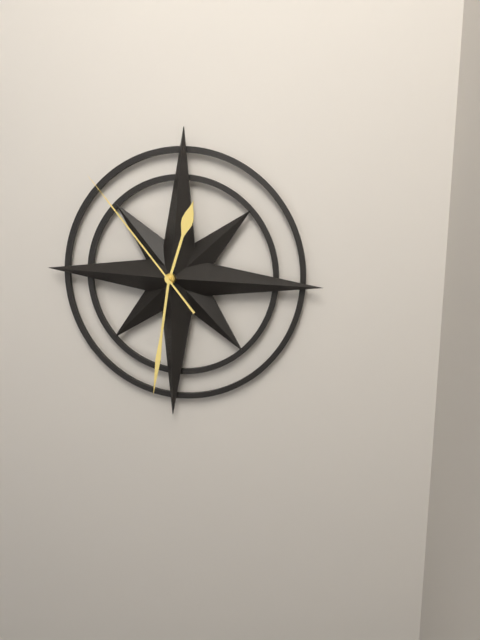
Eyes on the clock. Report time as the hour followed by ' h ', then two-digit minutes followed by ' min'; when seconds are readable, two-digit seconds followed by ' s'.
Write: 12 h 31 min 53 s
